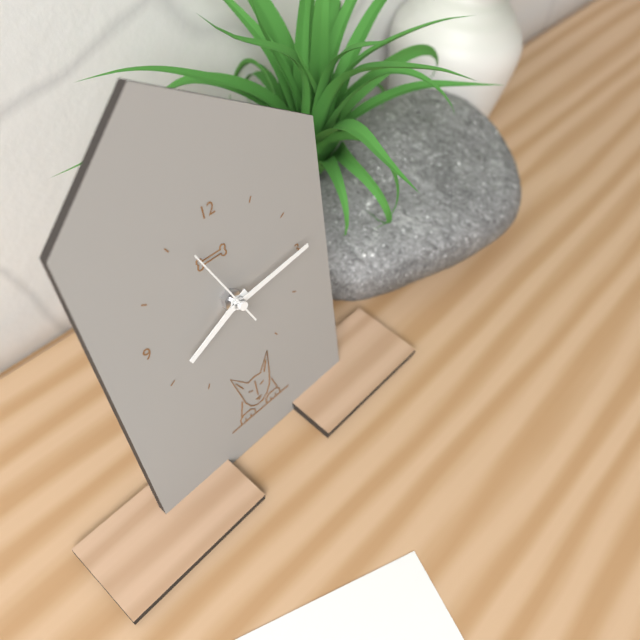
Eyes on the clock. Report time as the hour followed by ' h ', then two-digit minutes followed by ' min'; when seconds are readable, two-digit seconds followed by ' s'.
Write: 8 h 14 min 56 s
